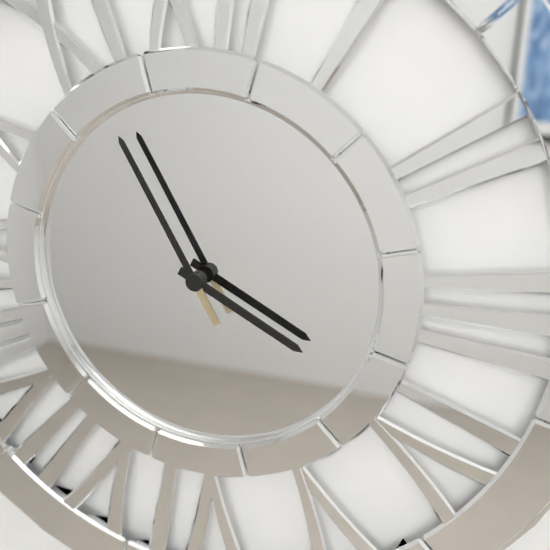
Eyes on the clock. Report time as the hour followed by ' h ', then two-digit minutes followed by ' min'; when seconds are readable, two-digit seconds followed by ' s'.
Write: 3 h 55 min
